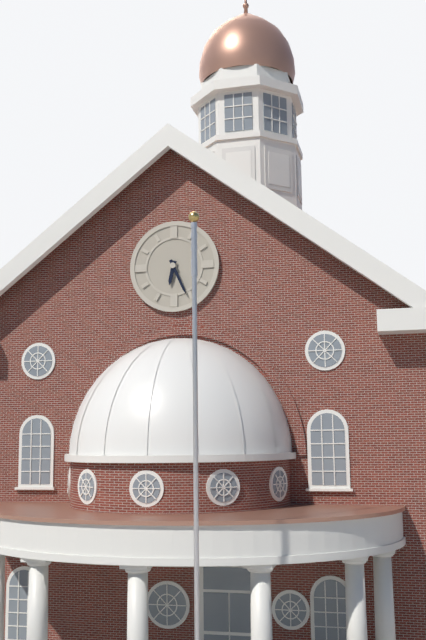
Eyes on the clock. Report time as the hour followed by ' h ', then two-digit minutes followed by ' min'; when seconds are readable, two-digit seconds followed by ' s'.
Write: 6 h 26 min
